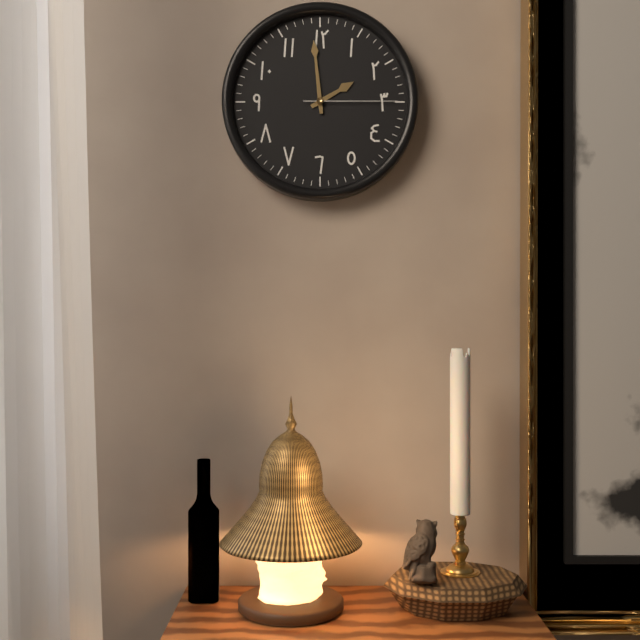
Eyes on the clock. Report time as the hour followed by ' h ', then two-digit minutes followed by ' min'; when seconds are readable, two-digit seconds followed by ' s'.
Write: 1 h 59 min 15 s
